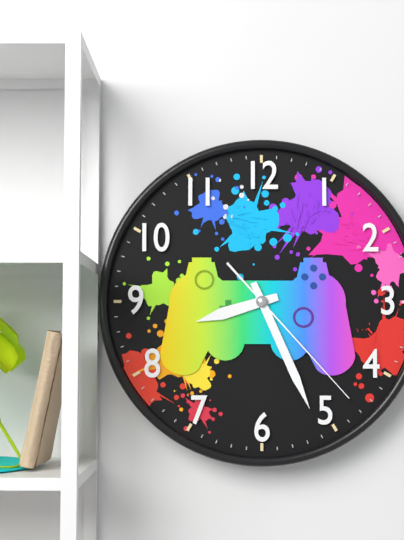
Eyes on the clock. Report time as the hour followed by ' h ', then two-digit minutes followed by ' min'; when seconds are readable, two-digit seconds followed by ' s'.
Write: 8 h 26 min 23 s
